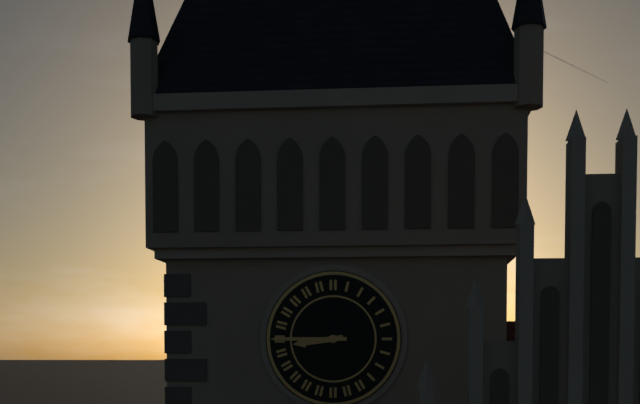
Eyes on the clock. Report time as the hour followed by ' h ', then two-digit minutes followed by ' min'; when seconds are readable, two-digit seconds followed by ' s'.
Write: 8 h 45 min
